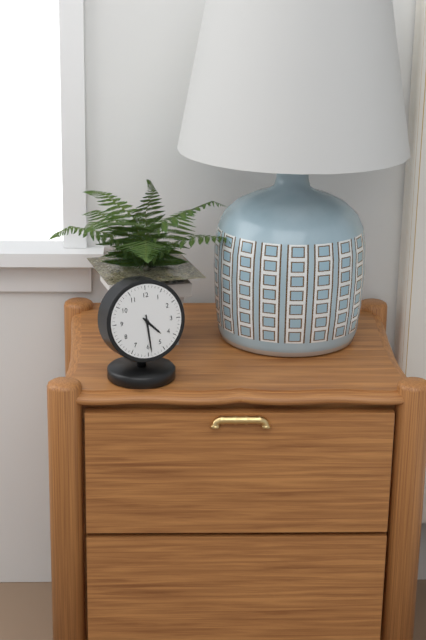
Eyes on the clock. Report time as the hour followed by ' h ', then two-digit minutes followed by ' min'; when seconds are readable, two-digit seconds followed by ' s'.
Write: 4 h 29 min
